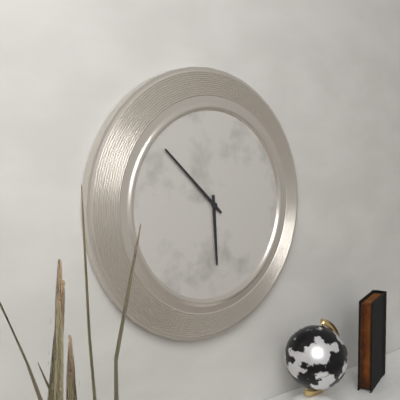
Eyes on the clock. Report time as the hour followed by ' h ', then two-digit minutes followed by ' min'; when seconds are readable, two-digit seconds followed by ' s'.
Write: 5 h 52 min
